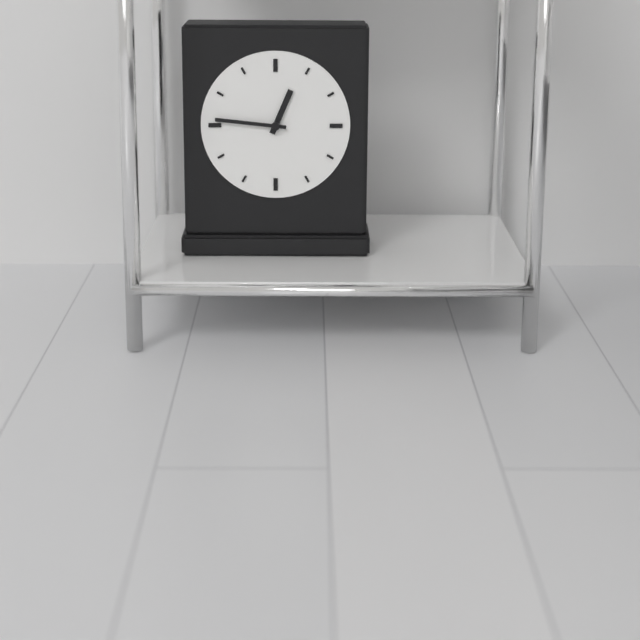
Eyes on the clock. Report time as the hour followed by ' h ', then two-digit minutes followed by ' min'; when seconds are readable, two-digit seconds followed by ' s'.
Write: 12 h 46 min
